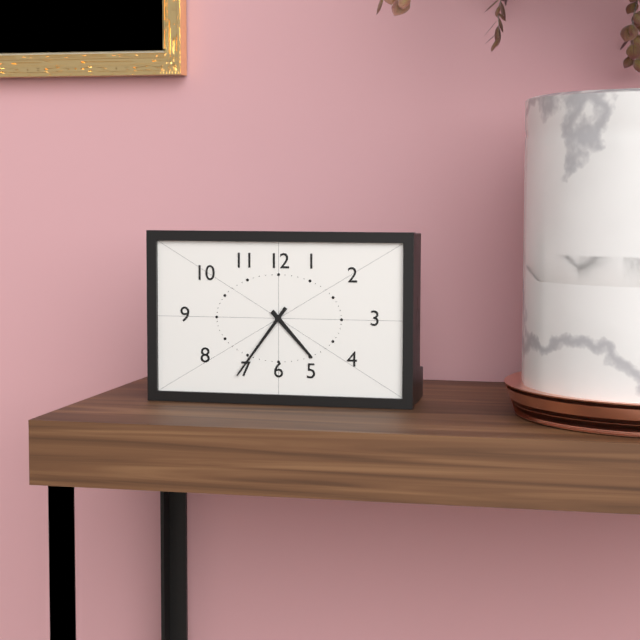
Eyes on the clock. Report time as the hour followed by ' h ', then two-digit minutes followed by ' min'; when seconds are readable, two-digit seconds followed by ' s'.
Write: 4 h 36 min
